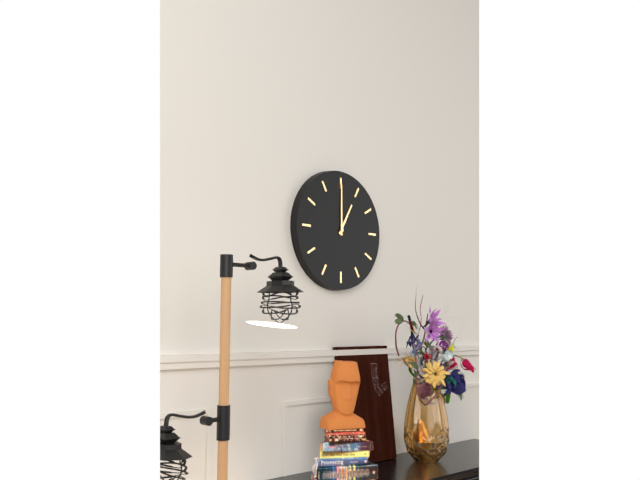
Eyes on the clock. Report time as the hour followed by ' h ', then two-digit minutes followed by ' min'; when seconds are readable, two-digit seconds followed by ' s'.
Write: 1 h 00 min
